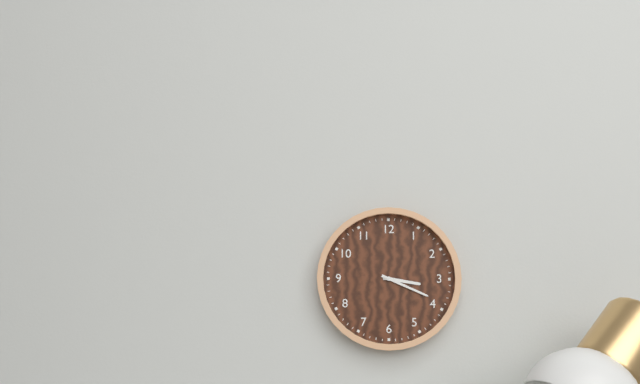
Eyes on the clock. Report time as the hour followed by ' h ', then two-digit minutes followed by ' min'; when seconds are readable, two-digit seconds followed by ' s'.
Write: 3 h 19 min
